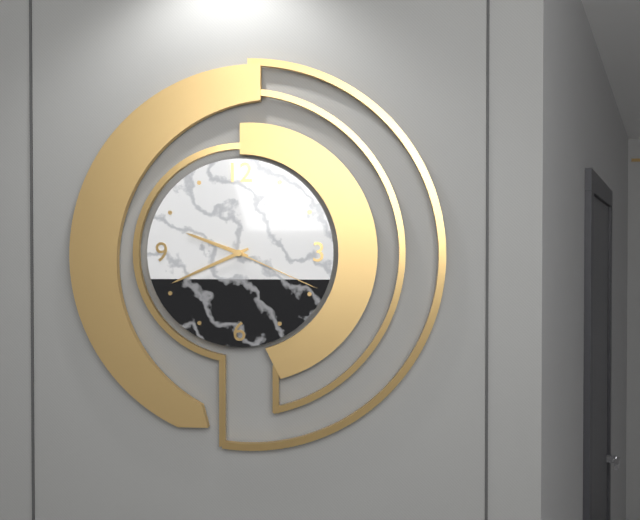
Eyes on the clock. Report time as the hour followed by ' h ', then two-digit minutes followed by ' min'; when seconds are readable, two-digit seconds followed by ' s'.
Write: 9 h 41 min 19 s
